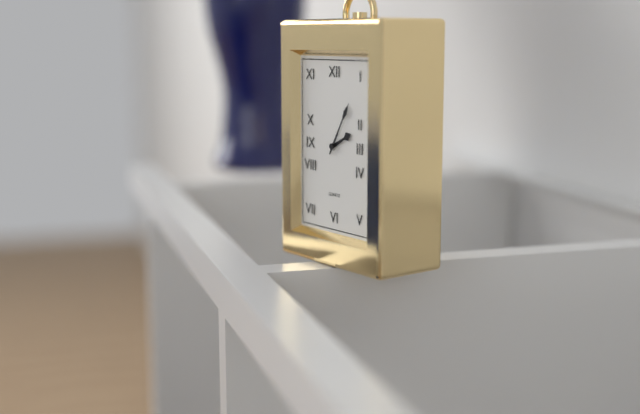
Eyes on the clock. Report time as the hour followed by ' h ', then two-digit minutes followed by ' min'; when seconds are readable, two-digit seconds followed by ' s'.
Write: 2 h 05 min
